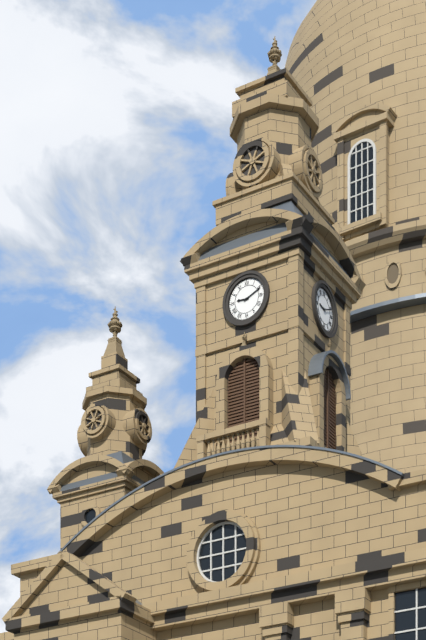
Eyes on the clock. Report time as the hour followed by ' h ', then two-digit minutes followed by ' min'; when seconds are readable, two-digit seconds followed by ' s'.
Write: 9 h 11 min
